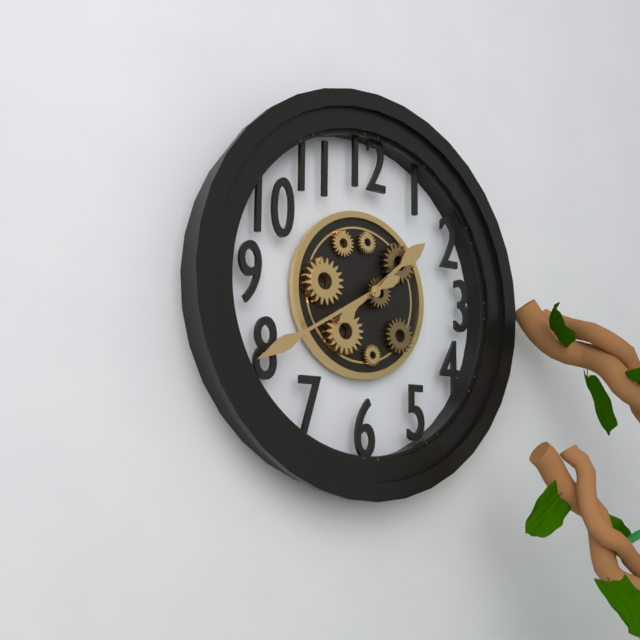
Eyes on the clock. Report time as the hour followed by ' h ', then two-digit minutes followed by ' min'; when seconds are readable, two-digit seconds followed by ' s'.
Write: 1 h 40 min
